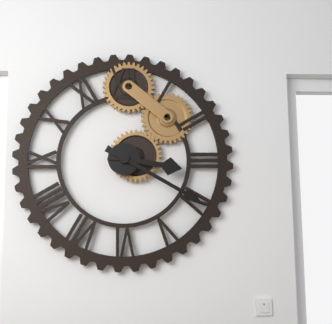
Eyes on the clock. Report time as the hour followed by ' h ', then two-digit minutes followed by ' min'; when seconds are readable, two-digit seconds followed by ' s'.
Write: 3 h 20 min
